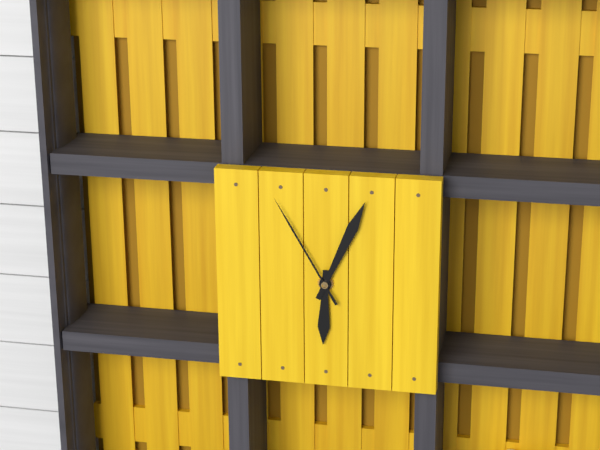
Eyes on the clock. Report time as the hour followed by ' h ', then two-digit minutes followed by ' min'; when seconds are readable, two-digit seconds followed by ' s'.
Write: 6 h 04 min 55 s
